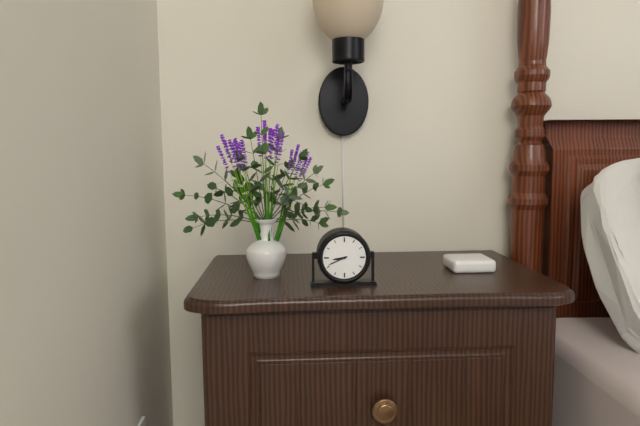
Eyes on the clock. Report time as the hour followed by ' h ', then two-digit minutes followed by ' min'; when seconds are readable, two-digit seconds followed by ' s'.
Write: 8 h 41 min
